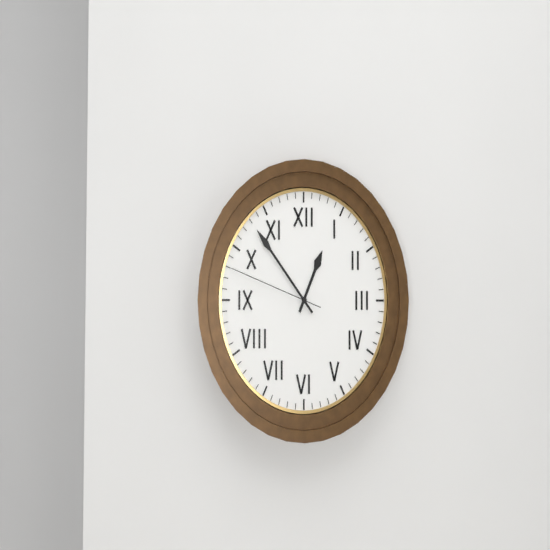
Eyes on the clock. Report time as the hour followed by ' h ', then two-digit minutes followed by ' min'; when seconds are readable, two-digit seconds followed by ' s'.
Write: 12 h 53 min 48 s
